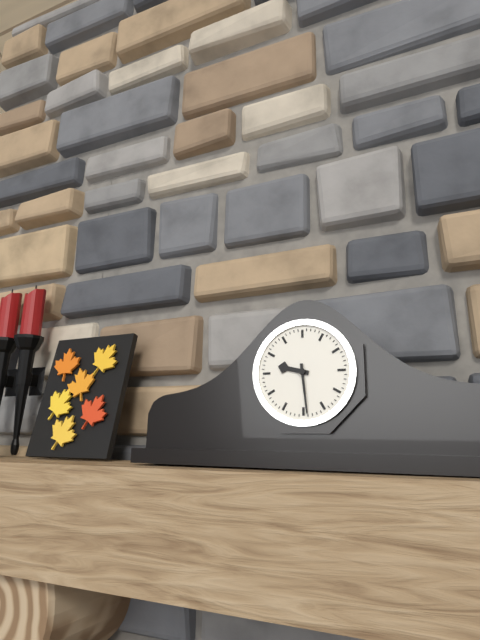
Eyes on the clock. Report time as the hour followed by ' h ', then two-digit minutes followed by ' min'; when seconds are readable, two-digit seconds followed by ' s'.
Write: 9 h 29 min
